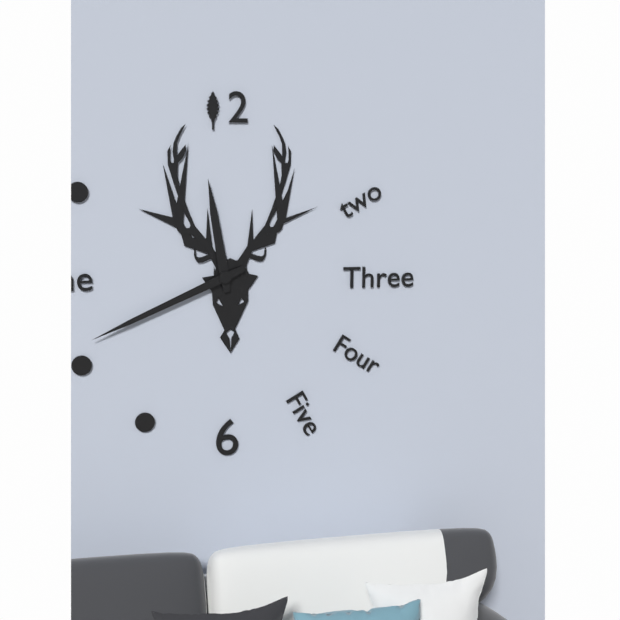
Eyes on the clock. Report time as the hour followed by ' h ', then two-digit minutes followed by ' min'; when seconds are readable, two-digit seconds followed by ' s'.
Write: 11 h 41 min
